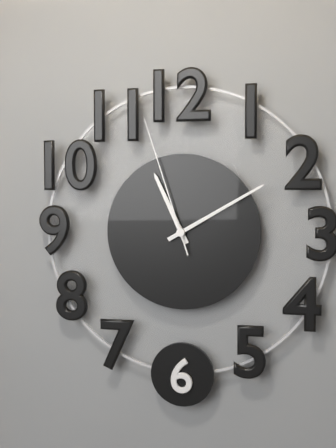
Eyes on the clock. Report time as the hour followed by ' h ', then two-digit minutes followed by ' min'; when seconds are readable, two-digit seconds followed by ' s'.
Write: 11 h 10 min 57 s
